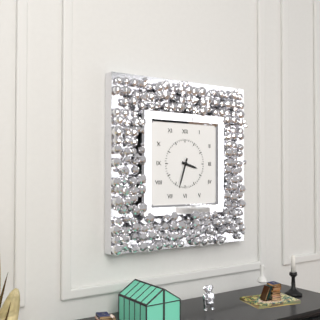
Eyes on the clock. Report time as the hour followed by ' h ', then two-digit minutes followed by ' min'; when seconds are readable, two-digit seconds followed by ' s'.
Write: 3 h 33 min
